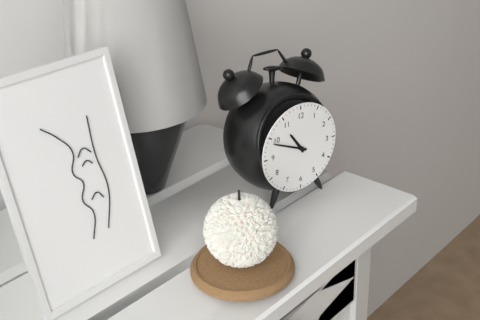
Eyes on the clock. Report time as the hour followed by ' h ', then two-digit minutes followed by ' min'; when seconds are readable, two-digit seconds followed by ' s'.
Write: 10 h 49 min
